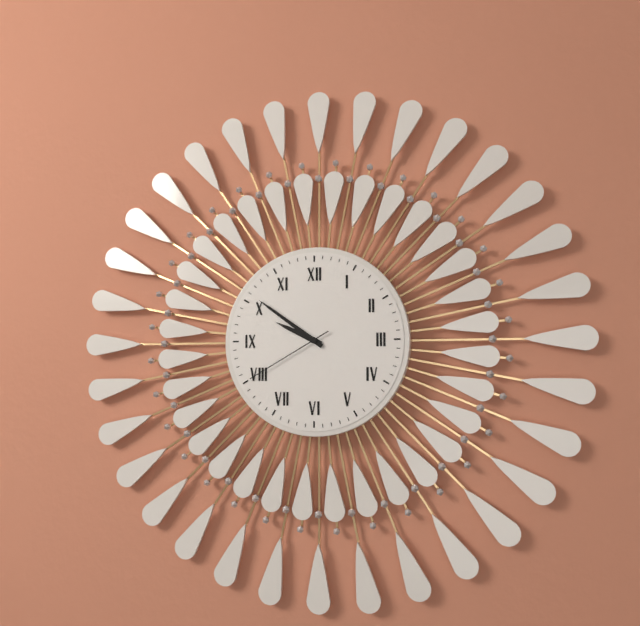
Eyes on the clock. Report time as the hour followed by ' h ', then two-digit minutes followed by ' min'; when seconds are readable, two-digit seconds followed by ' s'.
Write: 9 h 51 min 40 s
